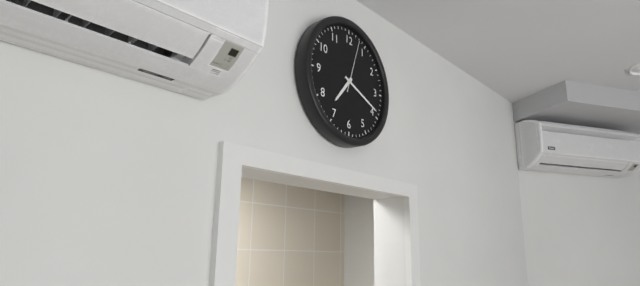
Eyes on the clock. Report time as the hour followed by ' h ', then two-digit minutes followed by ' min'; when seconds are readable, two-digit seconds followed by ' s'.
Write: 7 h 19 min 03 s
